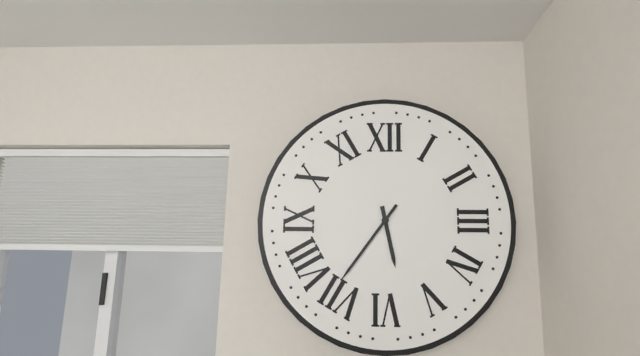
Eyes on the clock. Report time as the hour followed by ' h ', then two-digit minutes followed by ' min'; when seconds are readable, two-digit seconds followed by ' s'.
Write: 5 h 36 min
